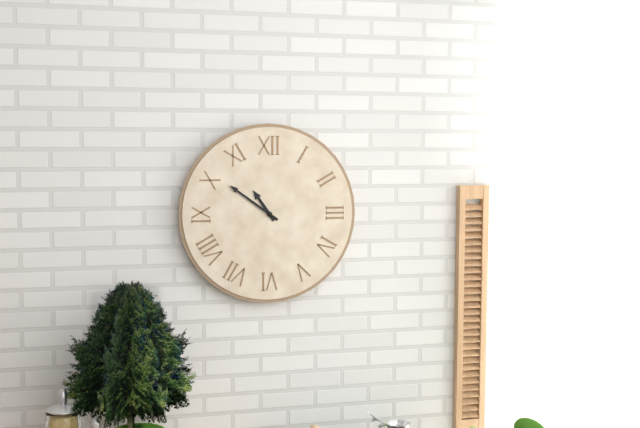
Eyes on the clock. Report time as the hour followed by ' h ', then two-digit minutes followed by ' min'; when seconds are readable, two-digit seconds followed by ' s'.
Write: 10 h 51 min
